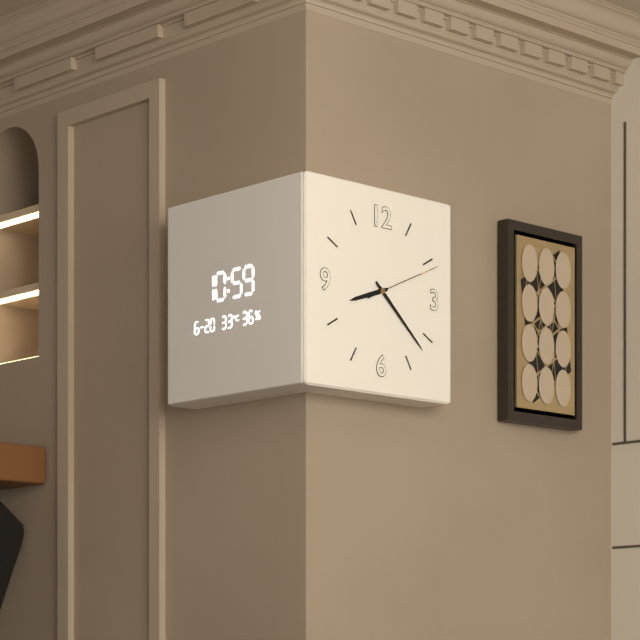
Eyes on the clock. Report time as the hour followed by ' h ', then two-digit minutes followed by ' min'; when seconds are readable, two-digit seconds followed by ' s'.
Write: 8 h 22 min 11 s
